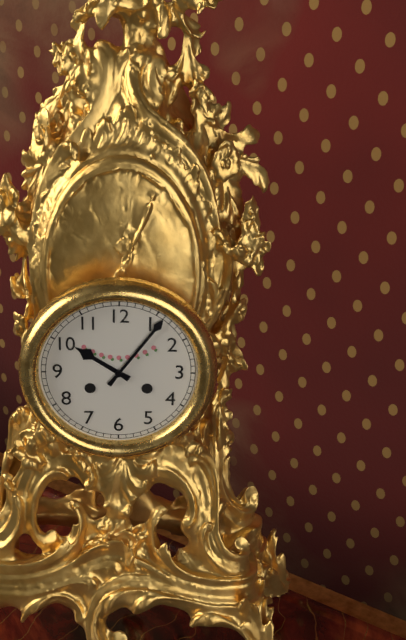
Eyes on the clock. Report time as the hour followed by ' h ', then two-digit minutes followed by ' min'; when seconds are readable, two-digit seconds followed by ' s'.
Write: 10 h 06 min
